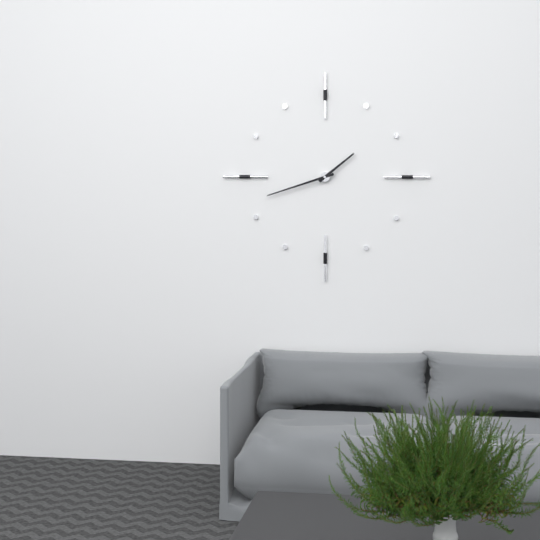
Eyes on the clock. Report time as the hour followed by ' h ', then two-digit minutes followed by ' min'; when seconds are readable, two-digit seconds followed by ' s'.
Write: 1 h 42 min
